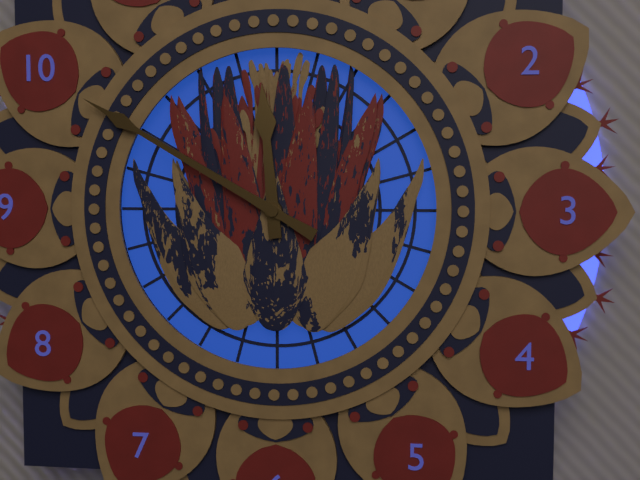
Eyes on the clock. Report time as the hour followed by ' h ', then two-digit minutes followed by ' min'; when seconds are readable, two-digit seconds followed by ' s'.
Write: 11 h 50 min
